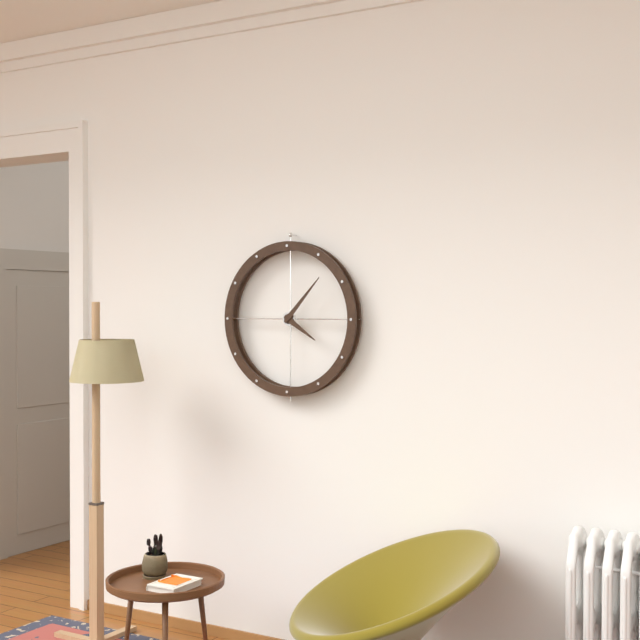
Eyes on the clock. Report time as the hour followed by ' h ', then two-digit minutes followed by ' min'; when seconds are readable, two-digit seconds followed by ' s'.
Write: 4 h 07 min
